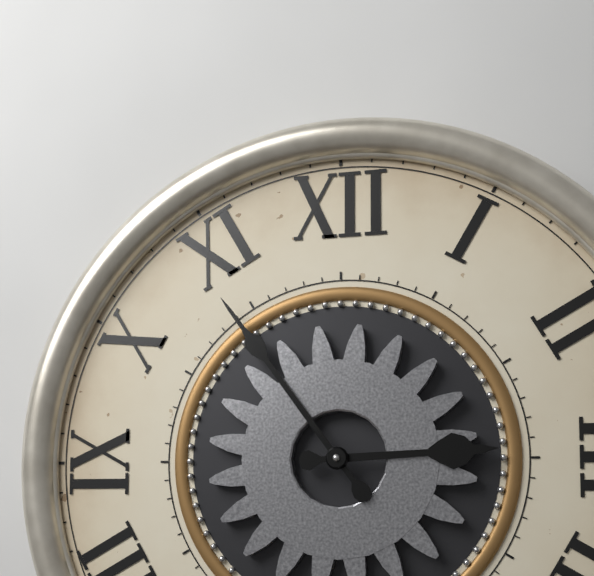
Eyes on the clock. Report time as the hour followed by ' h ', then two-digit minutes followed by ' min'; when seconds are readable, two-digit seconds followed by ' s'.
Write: 2 h 54 min
